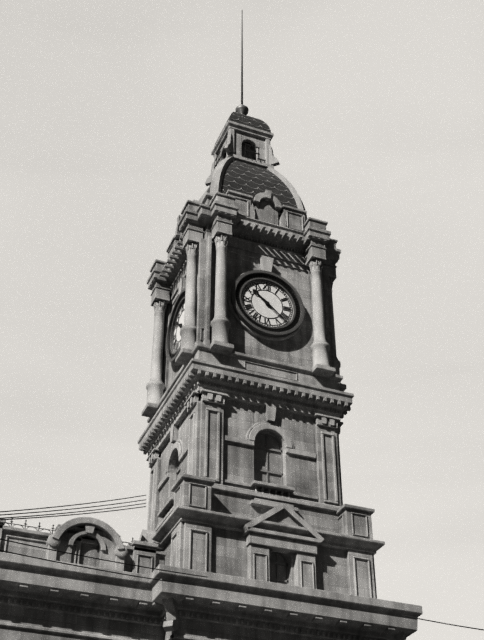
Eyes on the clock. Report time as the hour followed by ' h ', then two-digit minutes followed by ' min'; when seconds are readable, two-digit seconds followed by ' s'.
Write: 10 h 22 min
